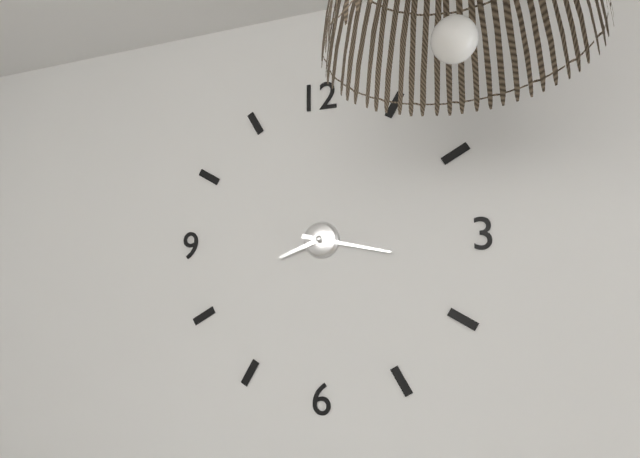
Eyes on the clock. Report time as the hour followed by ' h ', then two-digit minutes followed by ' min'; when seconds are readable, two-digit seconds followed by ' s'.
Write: 8 h 17 min
